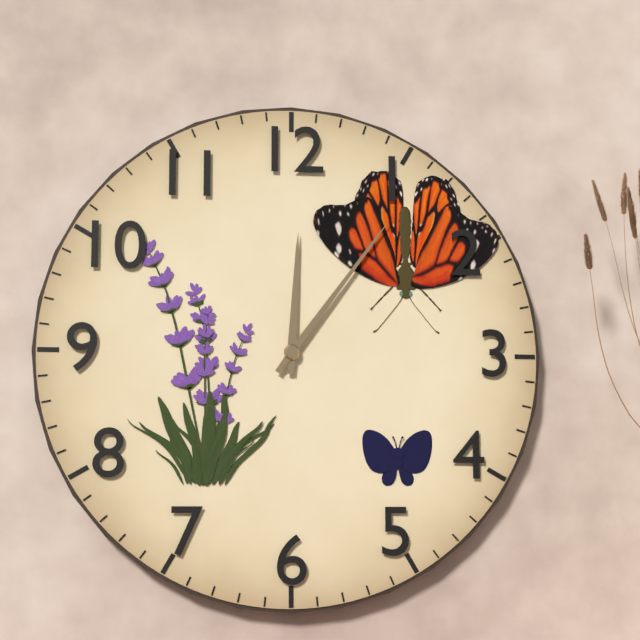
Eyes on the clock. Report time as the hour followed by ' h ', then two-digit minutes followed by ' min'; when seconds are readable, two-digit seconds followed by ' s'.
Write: 12 h 06 min
